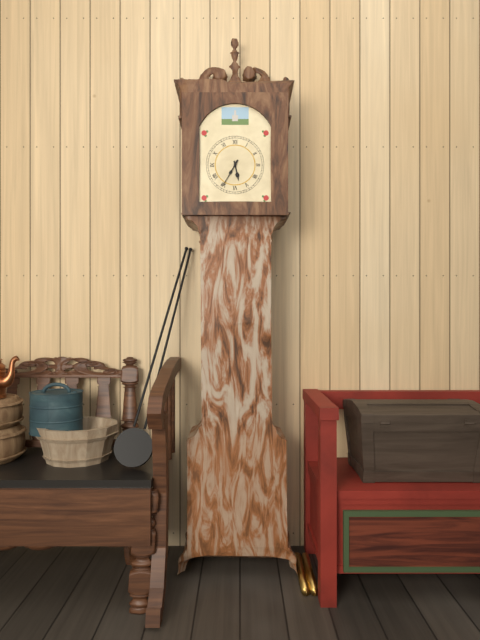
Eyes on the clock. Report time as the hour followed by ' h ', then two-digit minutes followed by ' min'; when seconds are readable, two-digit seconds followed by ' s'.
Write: 5 h 35 min
